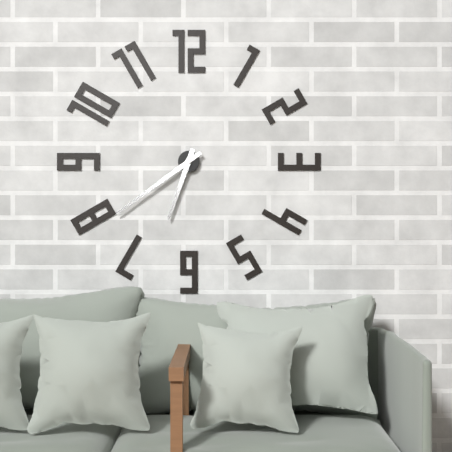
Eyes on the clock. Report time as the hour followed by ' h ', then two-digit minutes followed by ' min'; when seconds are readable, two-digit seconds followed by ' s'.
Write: 6 h 39 min
